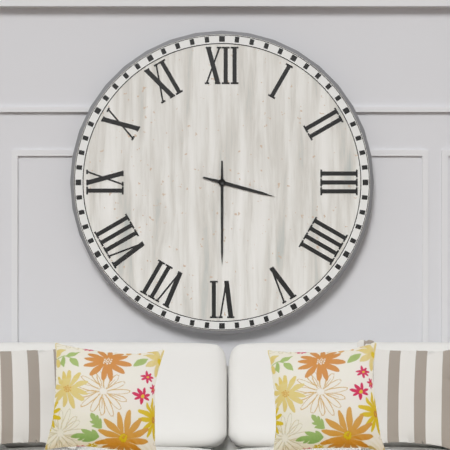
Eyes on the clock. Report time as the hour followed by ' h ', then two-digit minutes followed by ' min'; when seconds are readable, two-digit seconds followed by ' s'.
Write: 3 h 30 min
